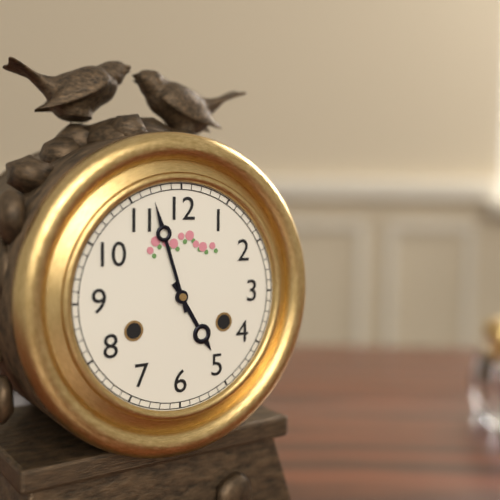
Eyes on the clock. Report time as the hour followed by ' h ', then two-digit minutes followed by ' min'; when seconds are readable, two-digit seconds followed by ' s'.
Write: 4 h 57 min
